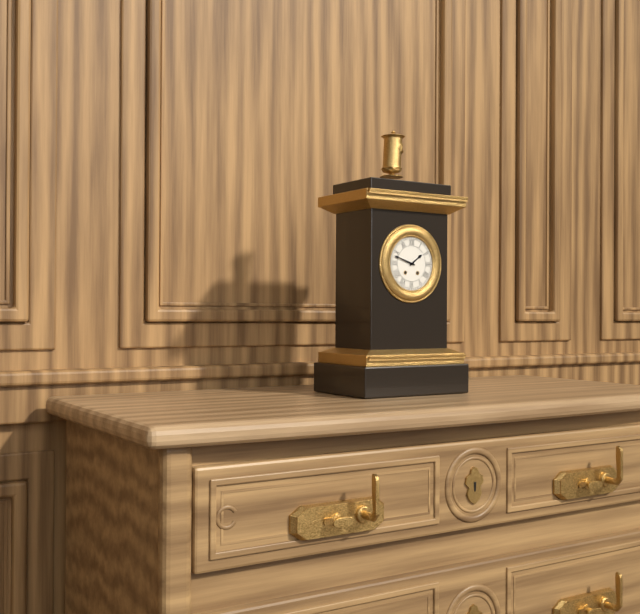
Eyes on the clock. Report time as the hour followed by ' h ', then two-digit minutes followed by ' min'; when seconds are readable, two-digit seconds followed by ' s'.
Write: 1 h 48 min
